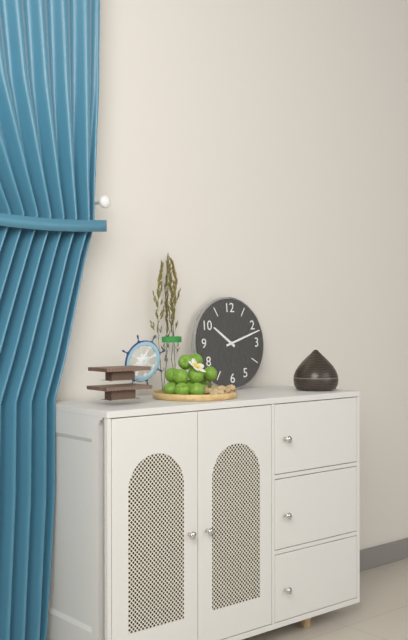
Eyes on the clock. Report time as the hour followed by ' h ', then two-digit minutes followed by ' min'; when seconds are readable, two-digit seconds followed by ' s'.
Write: 10 h 12 min
